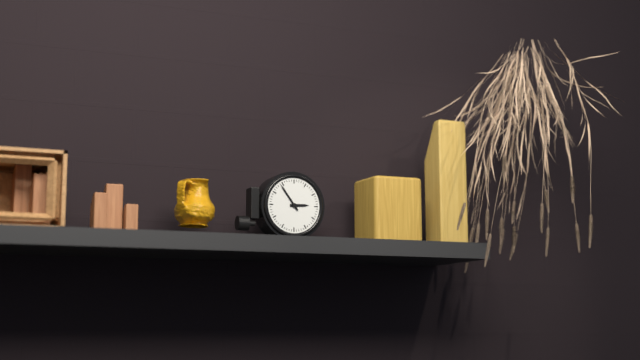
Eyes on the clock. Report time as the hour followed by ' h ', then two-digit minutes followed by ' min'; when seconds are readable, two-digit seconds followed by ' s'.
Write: 2 h 54 min
